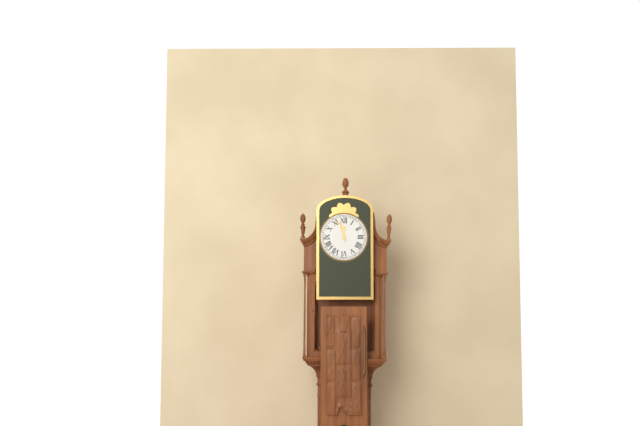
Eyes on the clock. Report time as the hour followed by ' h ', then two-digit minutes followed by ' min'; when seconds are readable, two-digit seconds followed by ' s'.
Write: 11 h 57 min
